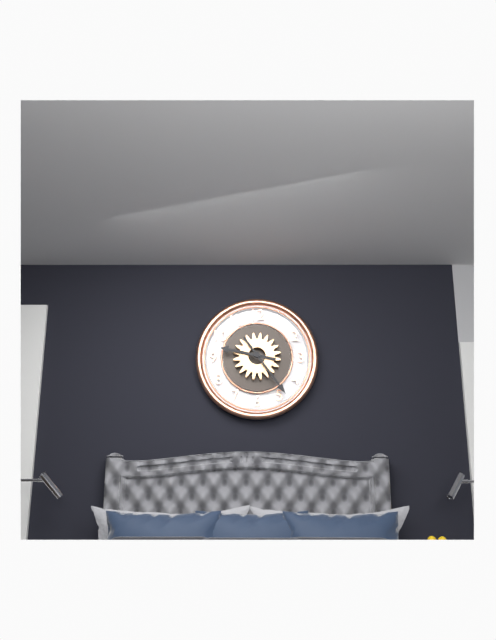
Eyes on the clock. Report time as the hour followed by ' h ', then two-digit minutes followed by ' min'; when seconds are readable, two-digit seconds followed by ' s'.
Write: 9 h 24 min
